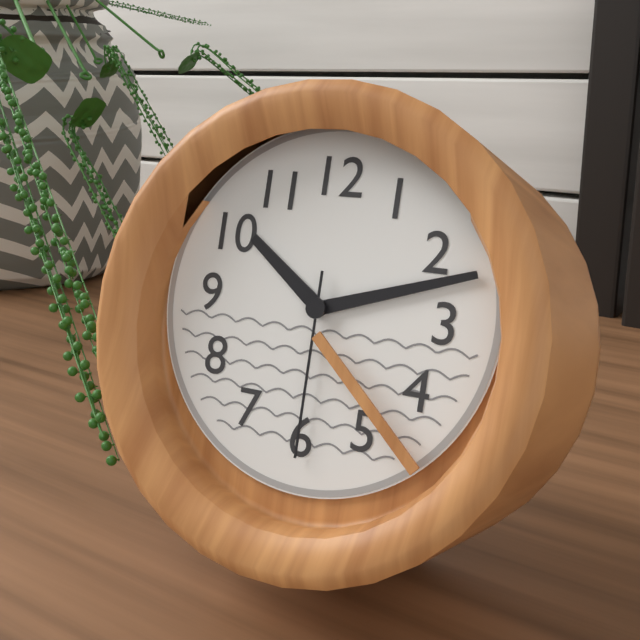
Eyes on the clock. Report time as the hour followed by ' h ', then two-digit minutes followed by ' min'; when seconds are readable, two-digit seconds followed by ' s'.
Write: 10 h 12 min 30 s
